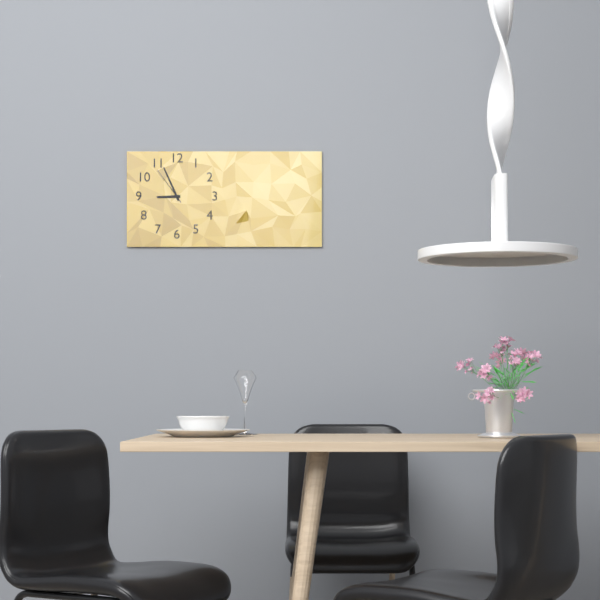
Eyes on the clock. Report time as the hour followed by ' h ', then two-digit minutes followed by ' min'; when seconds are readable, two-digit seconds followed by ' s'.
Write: 8 h 56 min
